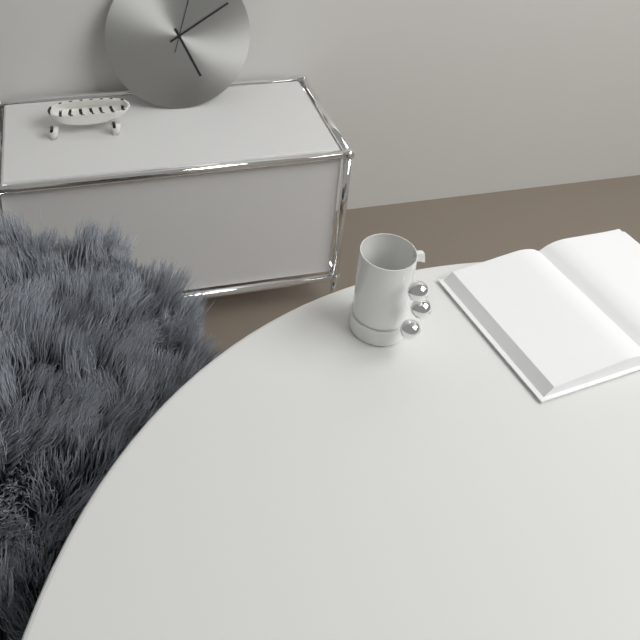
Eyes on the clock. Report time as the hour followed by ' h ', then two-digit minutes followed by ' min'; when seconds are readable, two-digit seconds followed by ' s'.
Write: 5 h 10 min
